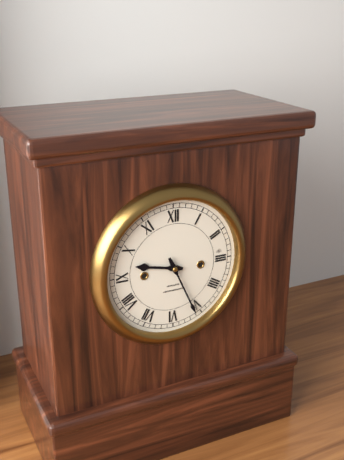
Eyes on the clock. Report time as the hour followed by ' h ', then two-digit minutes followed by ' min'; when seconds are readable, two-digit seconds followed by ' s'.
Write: 9 h 26 min
